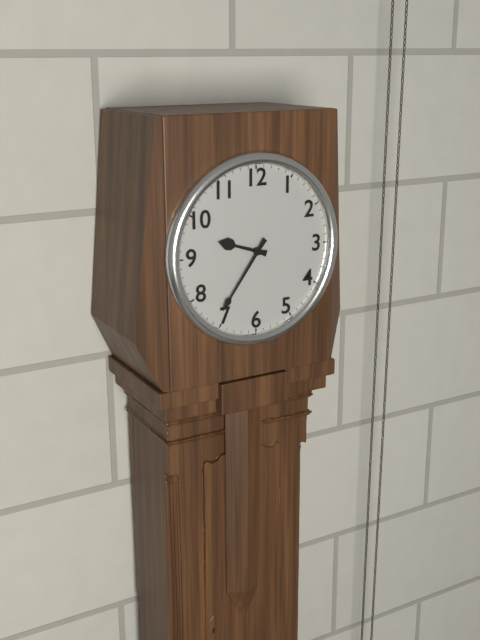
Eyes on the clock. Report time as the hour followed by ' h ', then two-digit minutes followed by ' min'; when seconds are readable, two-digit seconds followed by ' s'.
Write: 9 h 36 min
